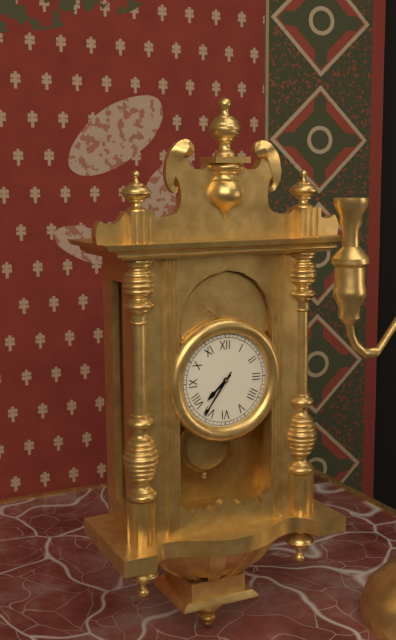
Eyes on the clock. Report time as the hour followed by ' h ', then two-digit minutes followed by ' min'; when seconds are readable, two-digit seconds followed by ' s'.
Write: 7 h 36 min
